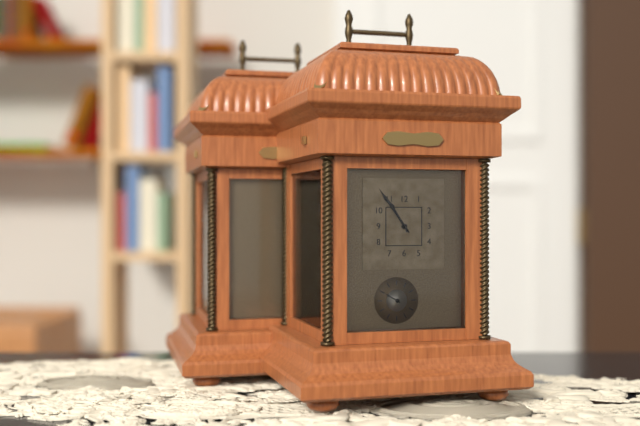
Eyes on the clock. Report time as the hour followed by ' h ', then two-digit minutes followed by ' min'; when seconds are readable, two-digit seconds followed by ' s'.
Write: 10 h 54 min
